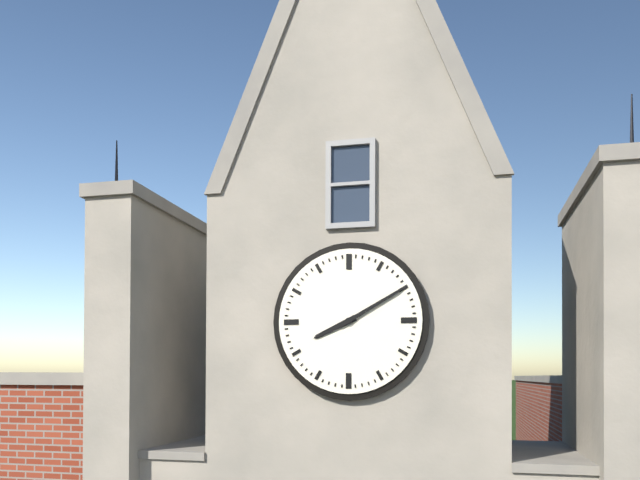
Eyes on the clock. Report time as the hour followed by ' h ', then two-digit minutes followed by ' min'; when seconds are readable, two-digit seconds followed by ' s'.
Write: 8 h 10 min
